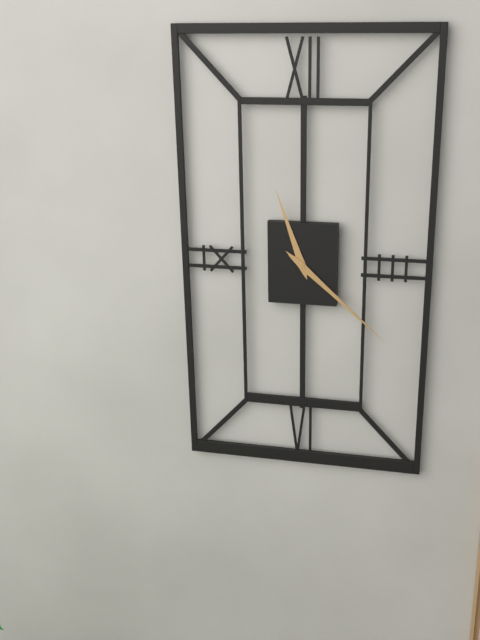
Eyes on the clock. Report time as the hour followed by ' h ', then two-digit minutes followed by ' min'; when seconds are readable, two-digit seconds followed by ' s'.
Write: 11 h 22 min
